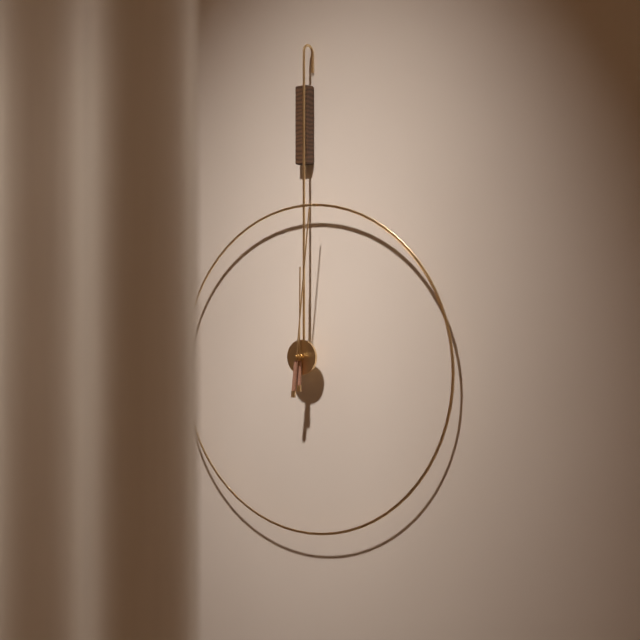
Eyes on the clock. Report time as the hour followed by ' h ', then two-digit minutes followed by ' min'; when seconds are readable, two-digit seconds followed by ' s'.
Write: 12 h 01 min
